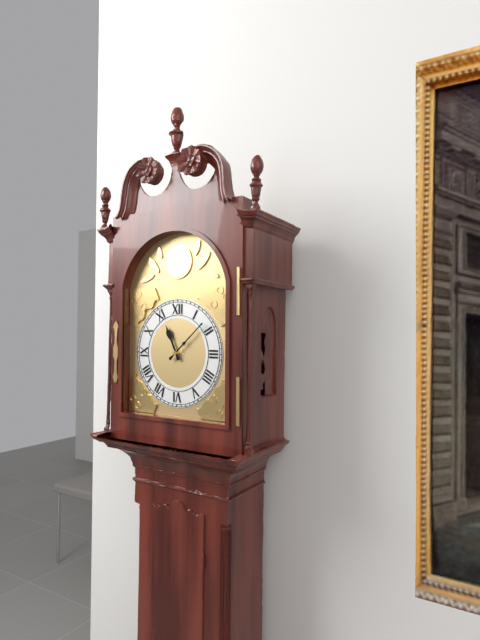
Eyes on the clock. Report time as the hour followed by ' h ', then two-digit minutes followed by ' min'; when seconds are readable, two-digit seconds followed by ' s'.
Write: 11 h 08 min
